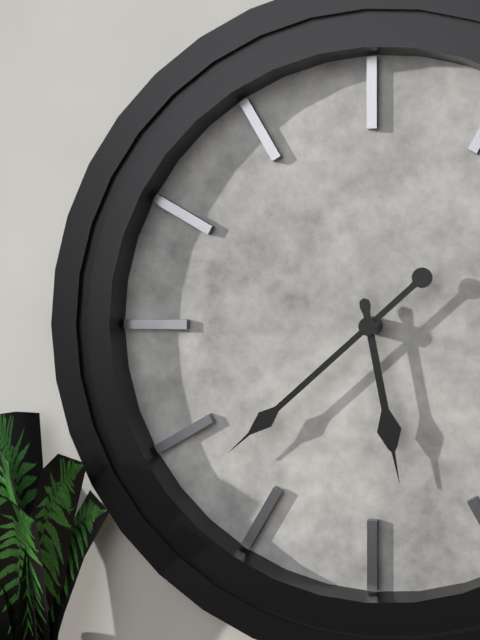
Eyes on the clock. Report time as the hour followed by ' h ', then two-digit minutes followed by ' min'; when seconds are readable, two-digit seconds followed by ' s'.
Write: 5 h 38 min
